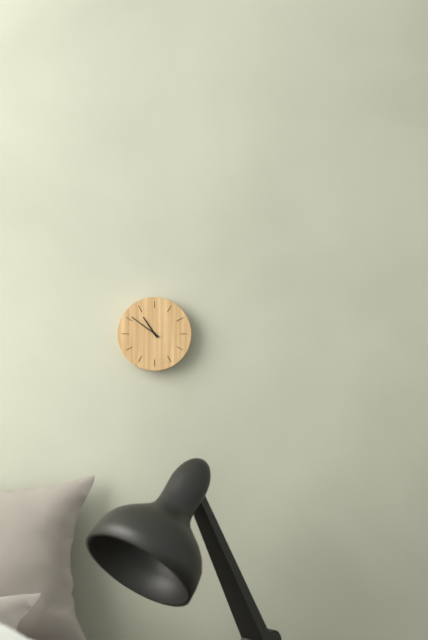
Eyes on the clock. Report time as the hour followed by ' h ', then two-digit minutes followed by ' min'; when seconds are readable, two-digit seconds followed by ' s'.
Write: 10 h 51 min
